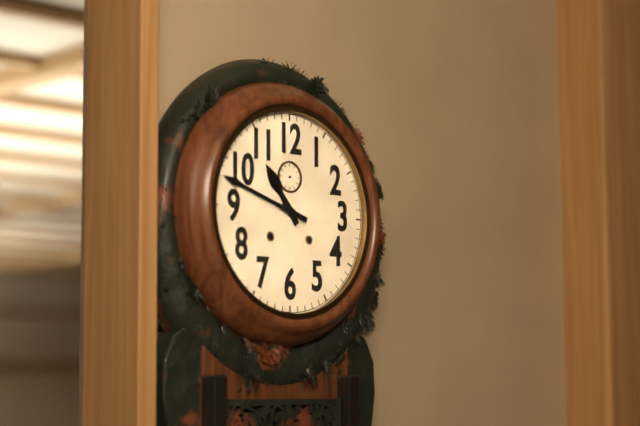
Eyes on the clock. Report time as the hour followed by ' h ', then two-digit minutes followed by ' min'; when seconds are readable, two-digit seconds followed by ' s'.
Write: 10 h 48 min
